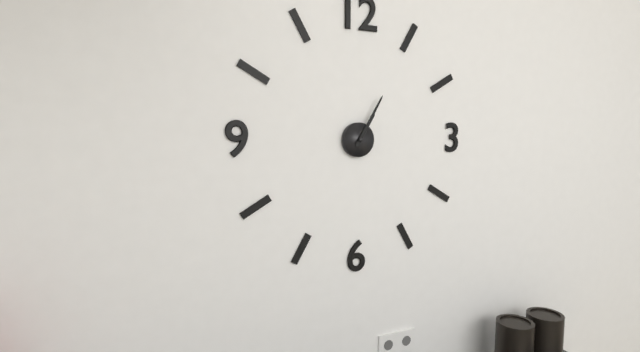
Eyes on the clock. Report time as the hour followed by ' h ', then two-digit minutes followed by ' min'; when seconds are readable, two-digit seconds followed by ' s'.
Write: 1 h 05 min
